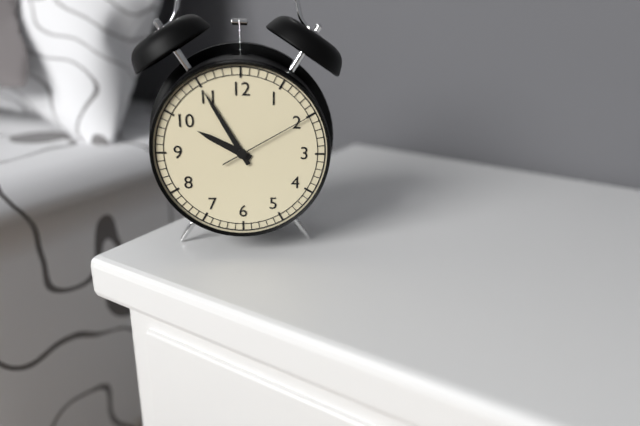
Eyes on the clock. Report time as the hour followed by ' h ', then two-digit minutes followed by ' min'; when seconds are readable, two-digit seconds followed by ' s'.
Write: 9 h 55 min 10 s
